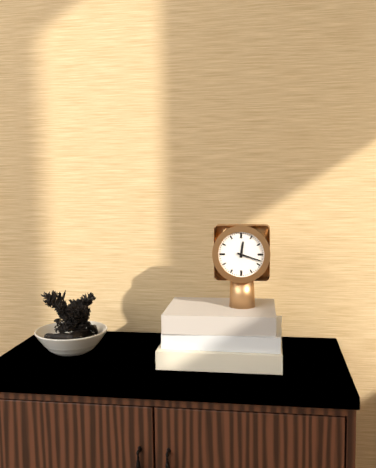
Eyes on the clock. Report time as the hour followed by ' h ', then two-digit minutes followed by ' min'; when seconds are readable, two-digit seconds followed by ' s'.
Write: 12 h 18 min
